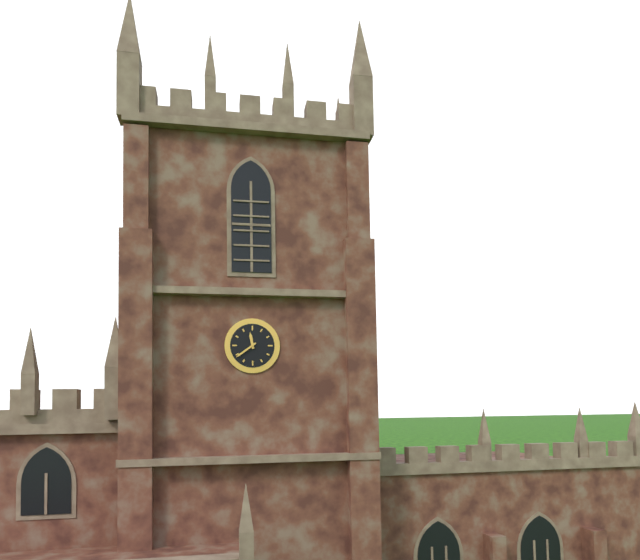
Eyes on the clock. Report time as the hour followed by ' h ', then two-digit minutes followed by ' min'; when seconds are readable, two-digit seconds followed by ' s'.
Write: 11 h 39 min
